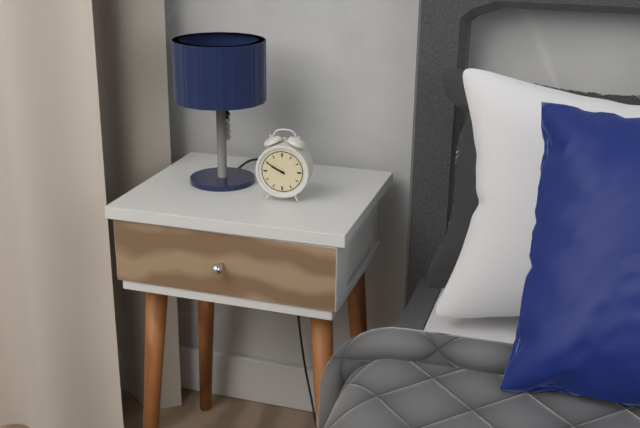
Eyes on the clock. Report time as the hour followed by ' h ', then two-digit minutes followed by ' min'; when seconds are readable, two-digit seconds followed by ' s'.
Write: 9 h 50 min
